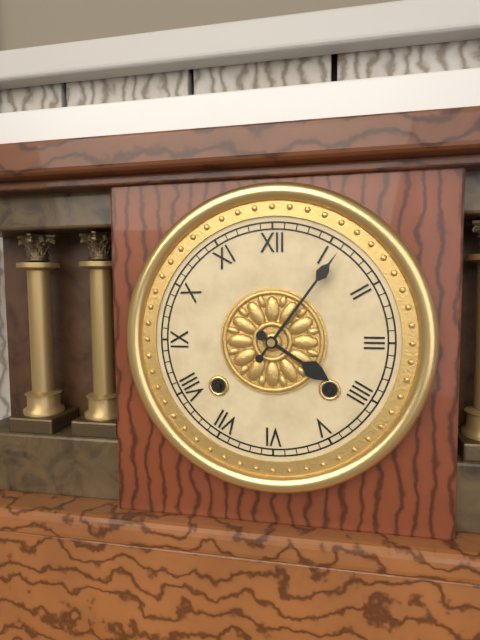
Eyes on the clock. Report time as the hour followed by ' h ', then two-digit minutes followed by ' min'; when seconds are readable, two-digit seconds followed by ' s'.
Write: 4 h 06 min
